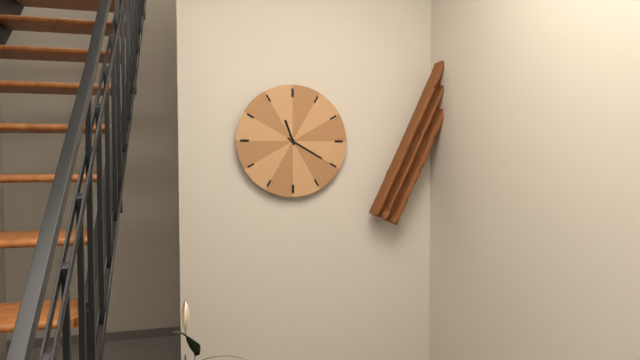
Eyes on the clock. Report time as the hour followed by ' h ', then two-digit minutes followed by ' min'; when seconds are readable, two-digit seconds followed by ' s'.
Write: 11 h 20 min
